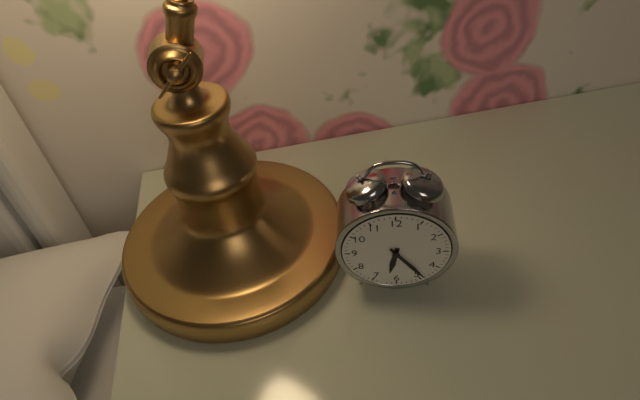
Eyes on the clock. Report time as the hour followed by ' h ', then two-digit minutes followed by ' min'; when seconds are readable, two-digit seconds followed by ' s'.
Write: 6 h 24 min
